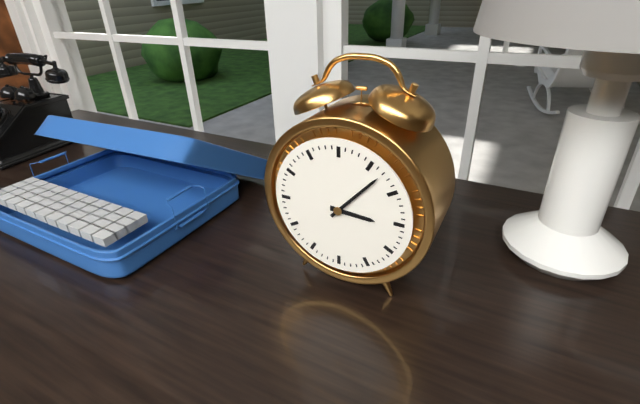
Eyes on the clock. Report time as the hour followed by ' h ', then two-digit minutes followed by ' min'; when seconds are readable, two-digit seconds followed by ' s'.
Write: 3 h 07 min
